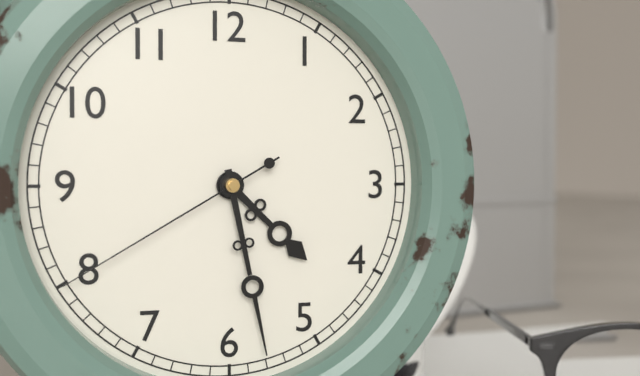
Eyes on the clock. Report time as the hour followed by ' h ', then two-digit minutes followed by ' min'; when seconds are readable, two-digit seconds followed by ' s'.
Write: 4 h 28 min 40 s
